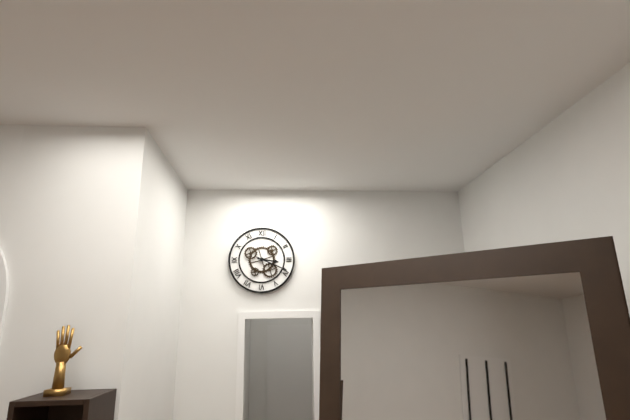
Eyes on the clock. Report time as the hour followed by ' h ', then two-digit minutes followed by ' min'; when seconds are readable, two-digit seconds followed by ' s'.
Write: 3 h 19 min
